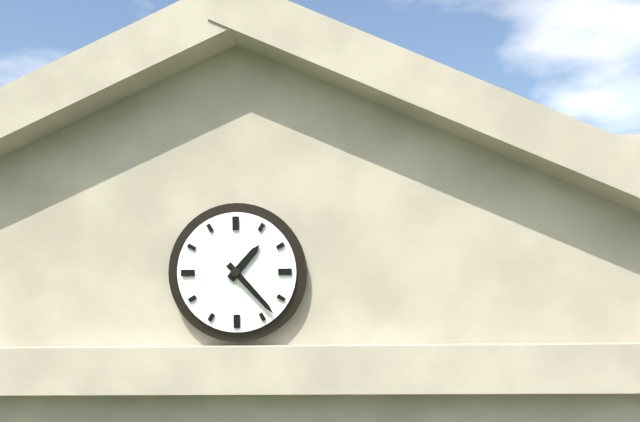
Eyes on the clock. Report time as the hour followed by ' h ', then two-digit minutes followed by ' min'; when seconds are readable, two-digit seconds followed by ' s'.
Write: 1 h 23 min
